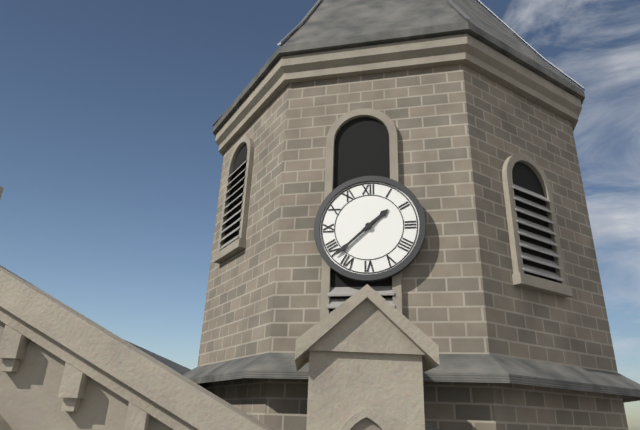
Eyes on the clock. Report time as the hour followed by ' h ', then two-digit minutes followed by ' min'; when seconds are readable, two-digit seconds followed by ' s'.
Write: 1 h 38 min
